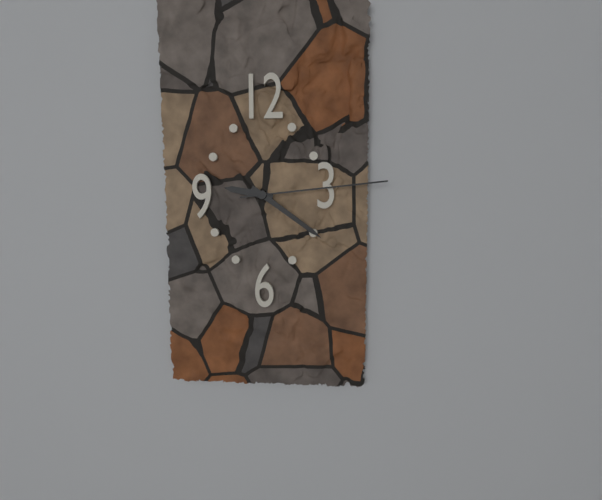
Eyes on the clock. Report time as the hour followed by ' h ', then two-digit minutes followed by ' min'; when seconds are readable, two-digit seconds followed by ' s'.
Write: 9 h 21 min 14 s
